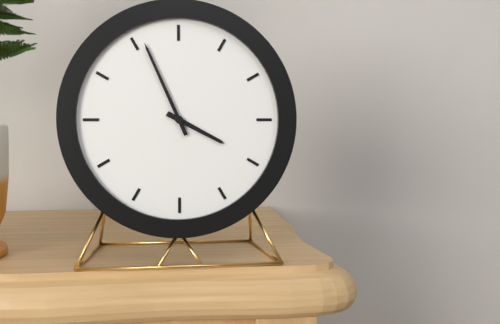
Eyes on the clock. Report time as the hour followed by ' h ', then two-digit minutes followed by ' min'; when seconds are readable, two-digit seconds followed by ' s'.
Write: 3 h 56 min
